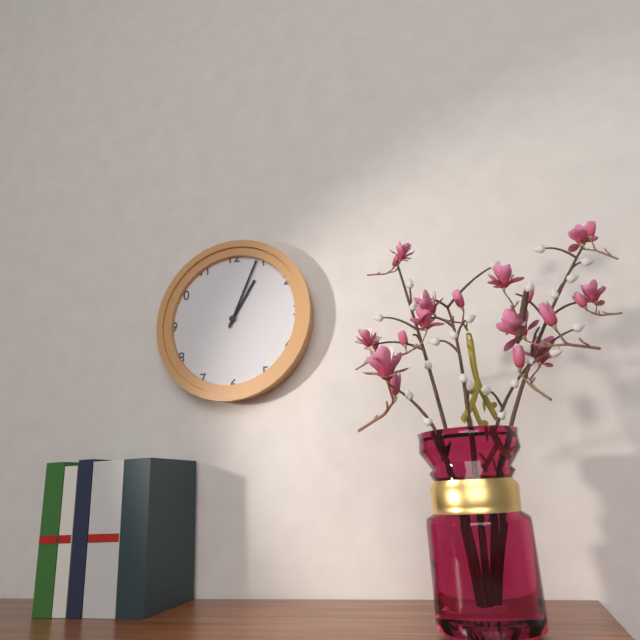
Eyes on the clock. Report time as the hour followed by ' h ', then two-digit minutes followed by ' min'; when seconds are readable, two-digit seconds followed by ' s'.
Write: 1 h 04 min
